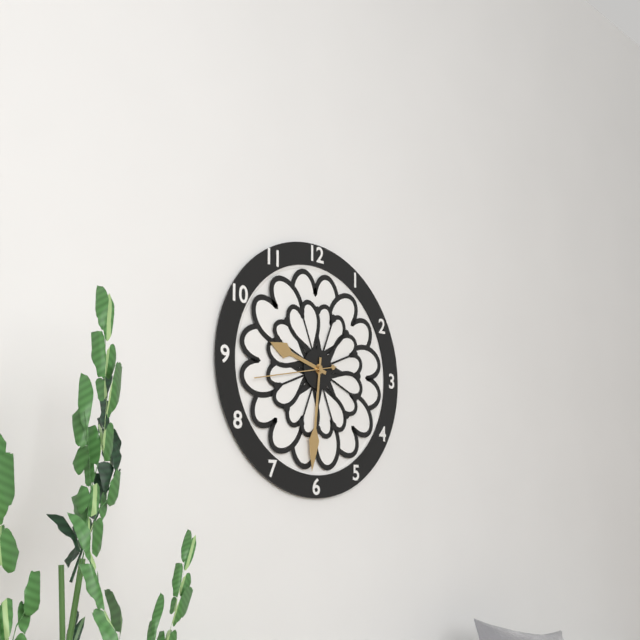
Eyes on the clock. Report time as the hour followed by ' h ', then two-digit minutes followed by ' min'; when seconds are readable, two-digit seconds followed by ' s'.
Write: 9 h 31 min 43 s
